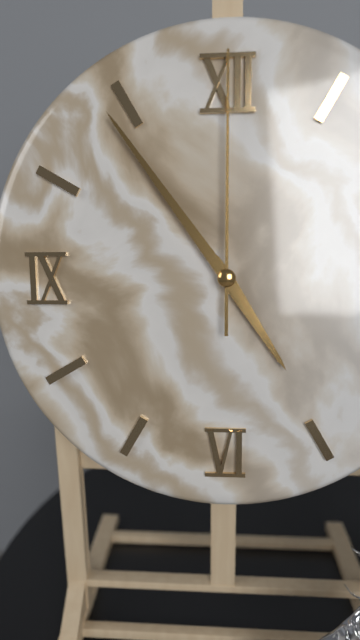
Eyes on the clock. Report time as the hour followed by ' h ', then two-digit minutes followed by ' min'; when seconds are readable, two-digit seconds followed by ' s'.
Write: 4 h 54 min 00 s
